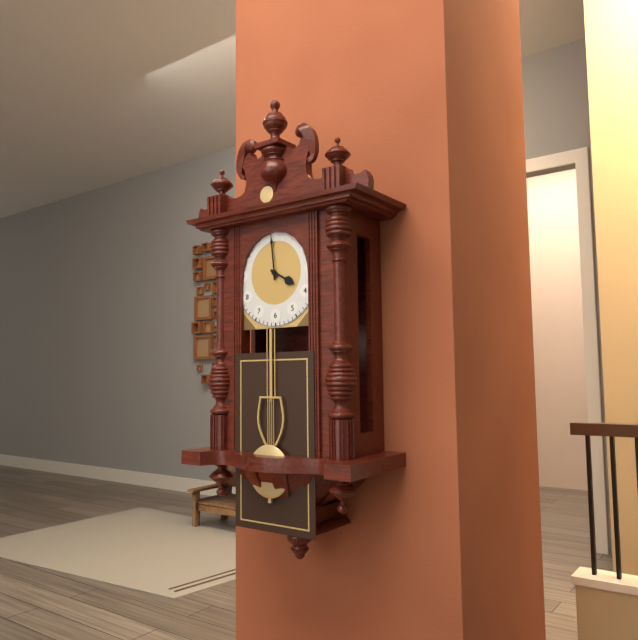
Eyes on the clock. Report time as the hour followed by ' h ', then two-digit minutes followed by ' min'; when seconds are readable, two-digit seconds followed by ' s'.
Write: 3 h 59 min
